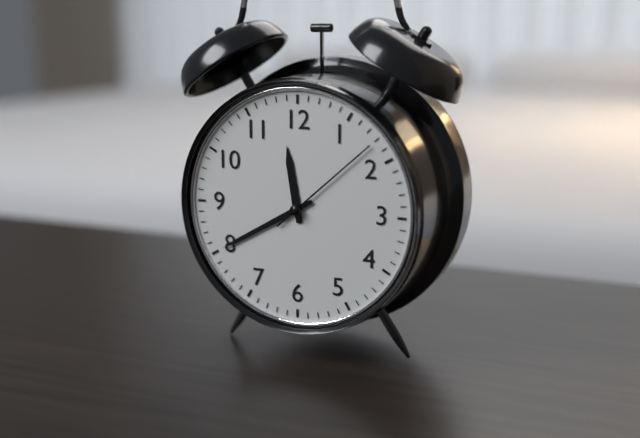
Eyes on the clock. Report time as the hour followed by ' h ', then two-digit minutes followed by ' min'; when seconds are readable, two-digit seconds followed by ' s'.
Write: 11 h 40 min 08 s
